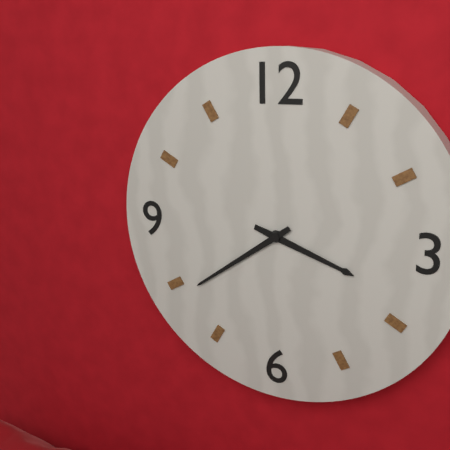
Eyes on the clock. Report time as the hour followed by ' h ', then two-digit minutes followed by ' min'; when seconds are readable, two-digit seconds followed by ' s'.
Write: 3 h 39 min
